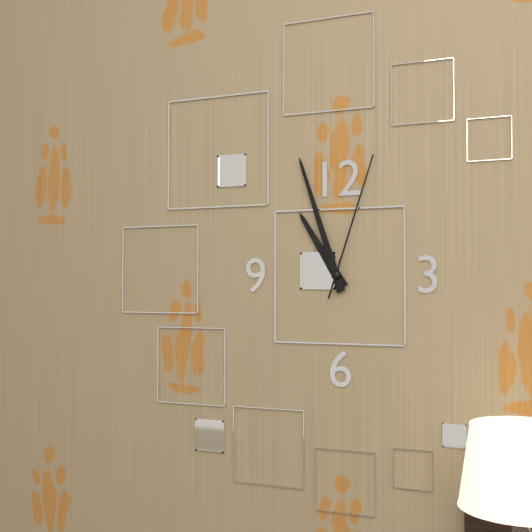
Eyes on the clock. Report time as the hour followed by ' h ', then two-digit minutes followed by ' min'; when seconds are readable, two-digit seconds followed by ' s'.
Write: 10 h 57 min 03 s
